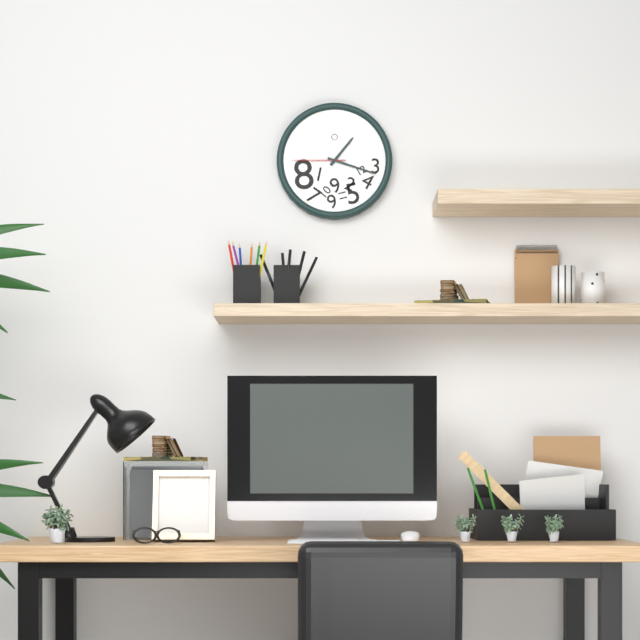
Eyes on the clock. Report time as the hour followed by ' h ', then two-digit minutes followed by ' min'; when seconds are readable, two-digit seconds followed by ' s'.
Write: 1 h 18 min 45 s
